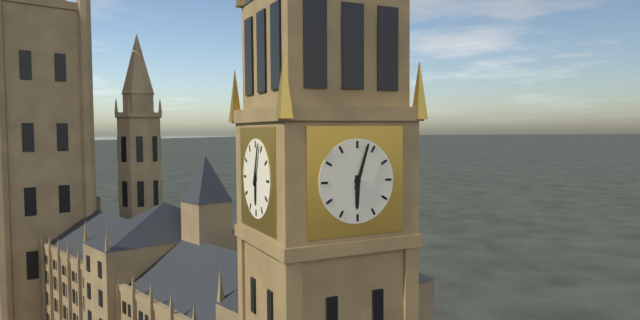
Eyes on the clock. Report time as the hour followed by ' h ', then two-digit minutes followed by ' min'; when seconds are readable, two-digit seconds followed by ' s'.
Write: 6 h 03 min
